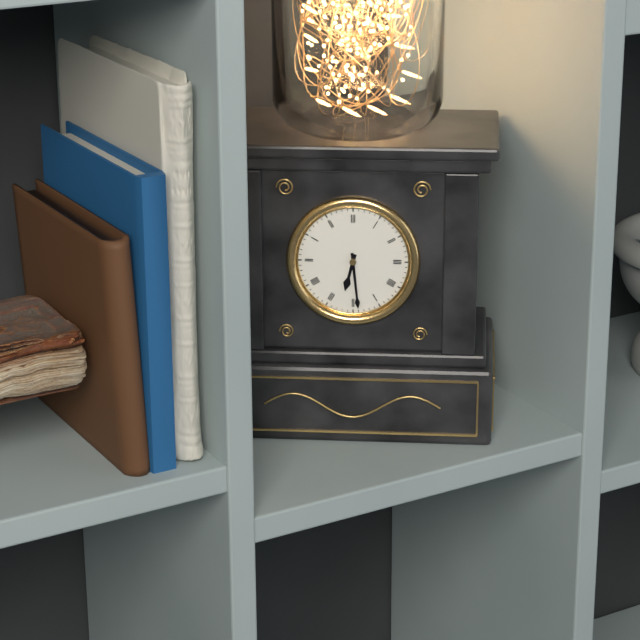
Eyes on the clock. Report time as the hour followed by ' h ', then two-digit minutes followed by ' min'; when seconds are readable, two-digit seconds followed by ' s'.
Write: 6 h 29 min
